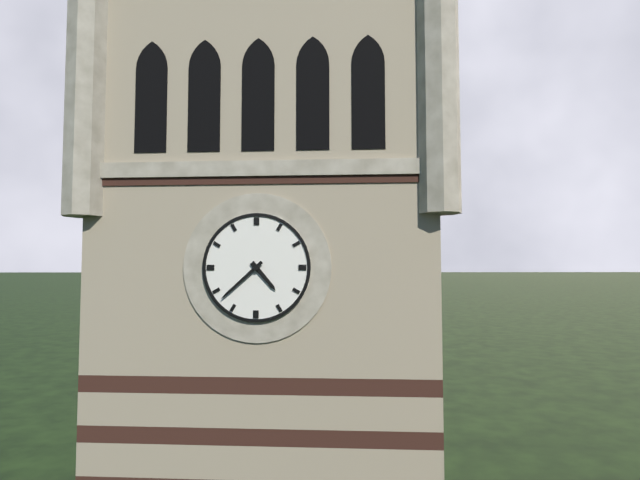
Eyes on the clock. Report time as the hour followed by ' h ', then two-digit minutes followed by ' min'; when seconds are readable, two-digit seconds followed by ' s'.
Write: 4 h 38 min
